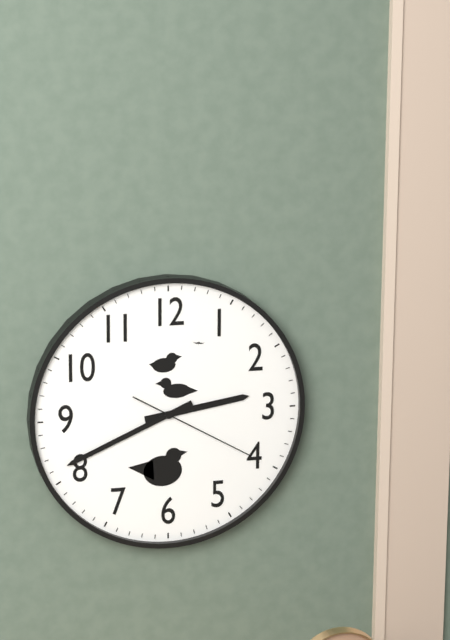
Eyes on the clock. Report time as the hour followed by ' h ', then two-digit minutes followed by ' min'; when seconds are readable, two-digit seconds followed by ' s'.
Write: 2 h 41 min 20 s
